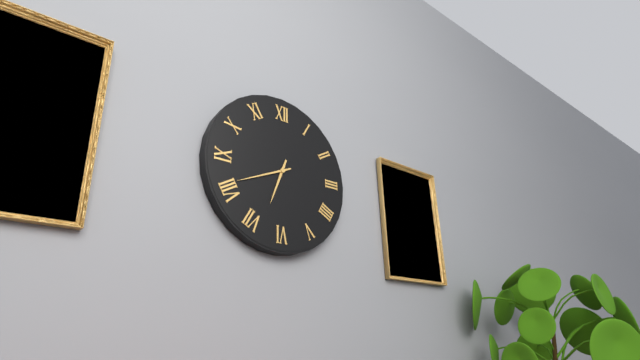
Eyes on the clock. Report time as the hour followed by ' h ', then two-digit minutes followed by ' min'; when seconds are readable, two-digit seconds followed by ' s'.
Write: 6 h 41 min
